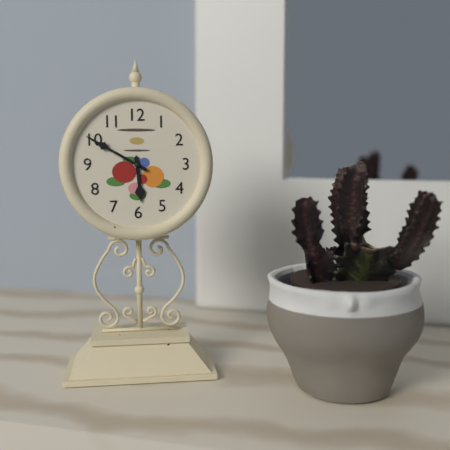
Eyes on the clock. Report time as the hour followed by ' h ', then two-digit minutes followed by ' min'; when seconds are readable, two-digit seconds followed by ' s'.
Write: 5 h 50 min
